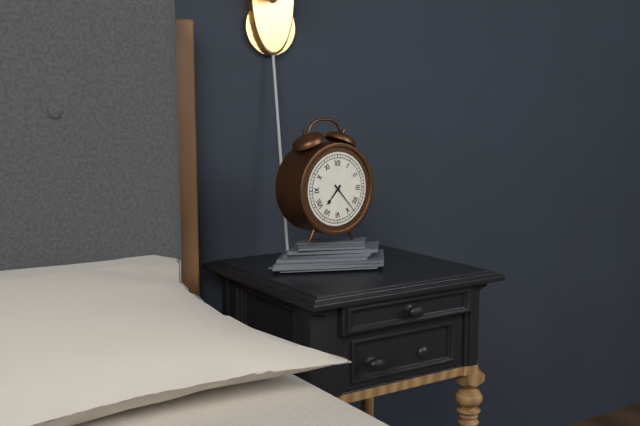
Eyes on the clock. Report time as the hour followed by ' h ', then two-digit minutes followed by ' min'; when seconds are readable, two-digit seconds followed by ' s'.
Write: 7 h 23 min
